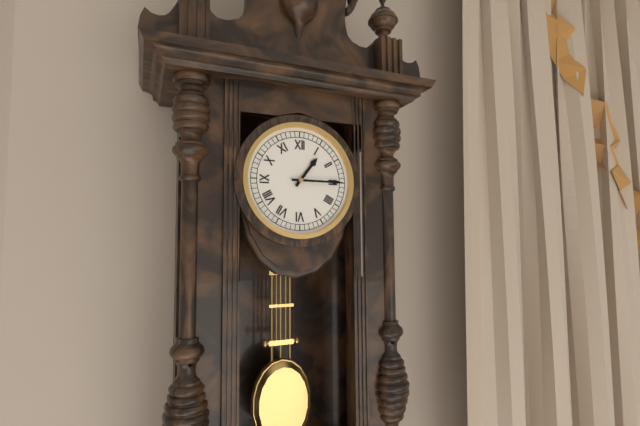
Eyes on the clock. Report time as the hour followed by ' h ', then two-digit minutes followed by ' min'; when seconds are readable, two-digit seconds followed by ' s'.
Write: 1 h 15 min
